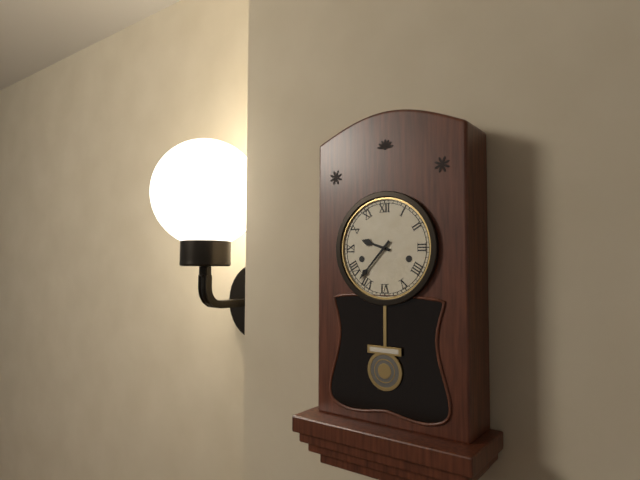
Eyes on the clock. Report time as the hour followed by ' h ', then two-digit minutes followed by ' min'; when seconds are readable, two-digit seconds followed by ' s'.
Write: 9 h 37 min
